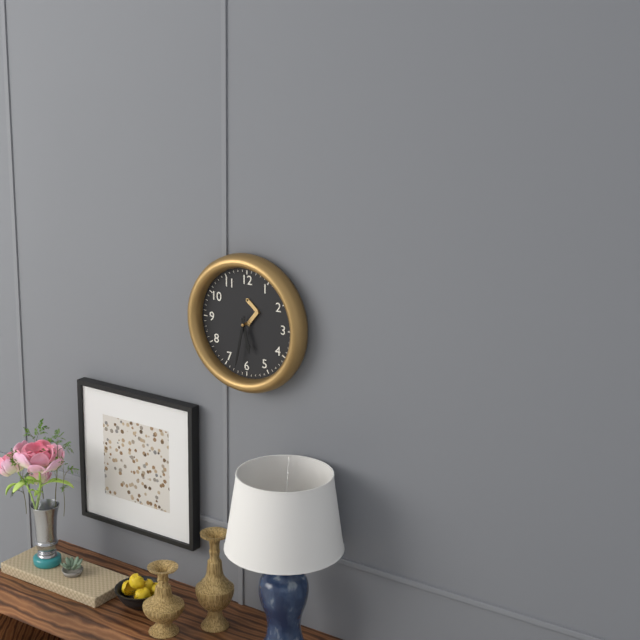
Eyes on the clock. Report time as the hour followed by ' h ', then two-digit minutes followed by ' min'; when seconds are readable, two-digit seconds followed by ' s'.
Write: 5 h 32 min
